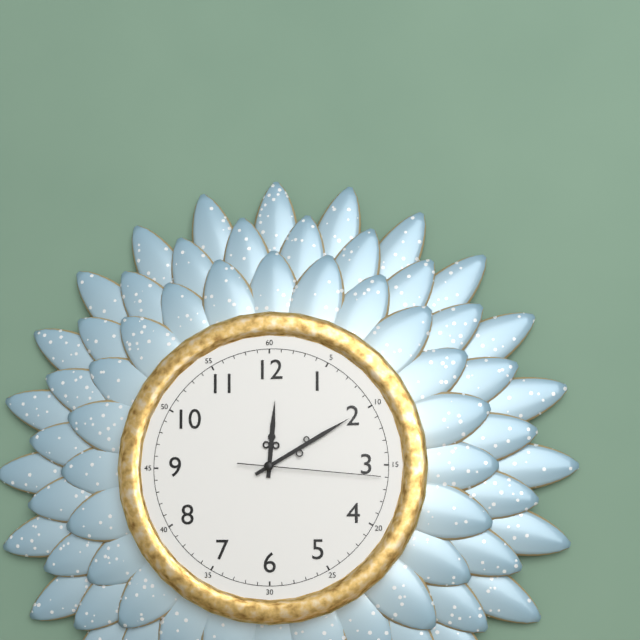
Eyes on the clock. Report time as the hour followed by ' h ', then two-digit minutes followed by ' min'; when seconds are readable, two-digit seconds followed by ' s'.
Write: 12 h 10 min 16 s
